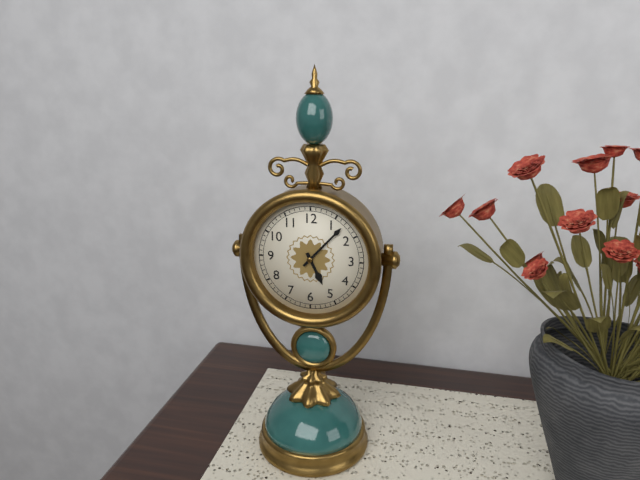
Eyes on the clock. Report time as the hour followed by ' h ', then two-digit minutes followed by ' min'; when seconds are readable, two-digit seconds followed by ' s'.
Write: 5 h 07 min
